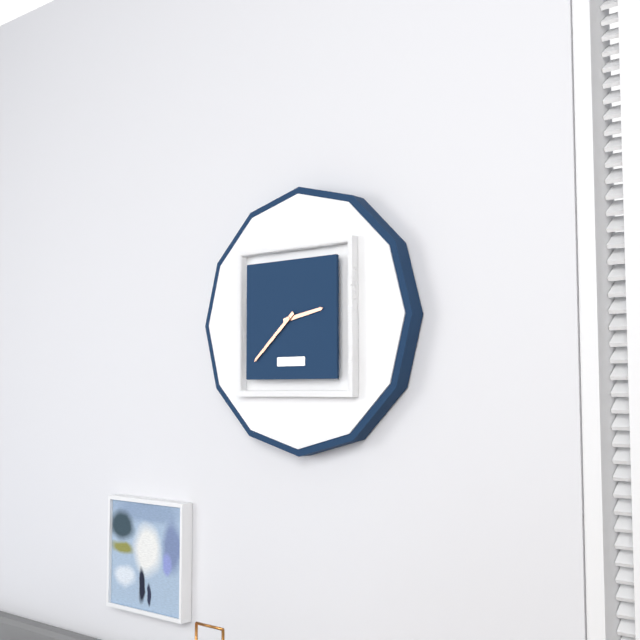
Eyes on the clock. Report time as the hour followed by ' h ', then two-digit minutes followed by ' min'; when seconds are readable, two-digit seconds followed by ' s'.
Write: 2 h 38 min
